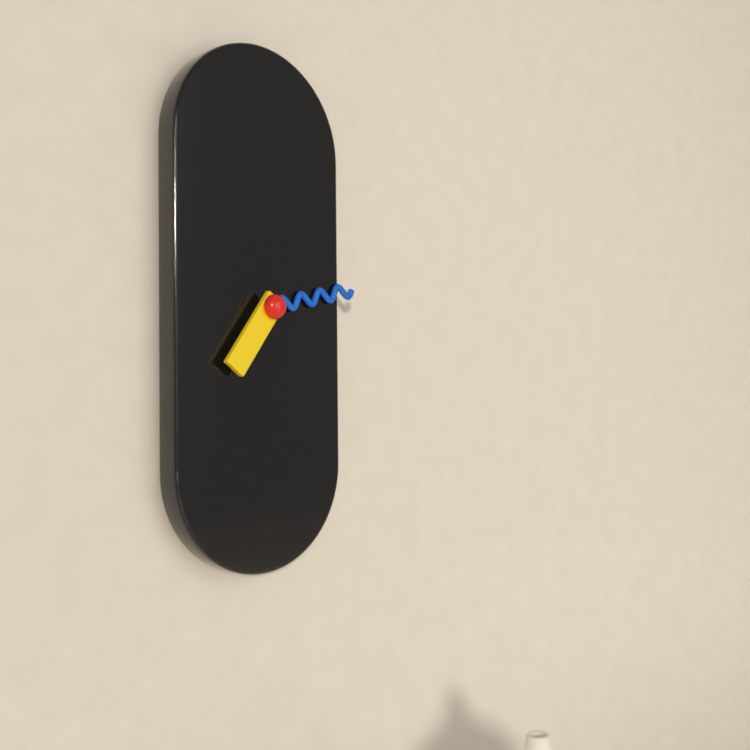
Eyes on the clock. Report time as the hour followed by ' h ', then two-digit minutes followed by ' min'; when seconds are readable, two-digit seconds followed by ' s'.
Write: 7 h 13 min
